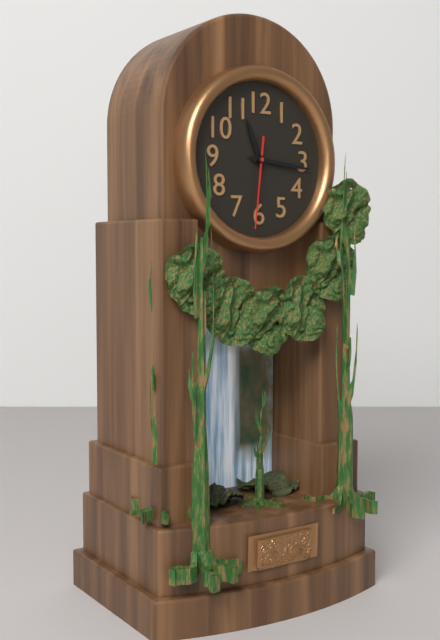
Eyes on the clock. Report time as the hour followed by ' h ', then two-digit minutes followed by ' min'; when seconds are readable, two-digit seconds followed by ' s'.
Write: 11 h 16 min 31 s
